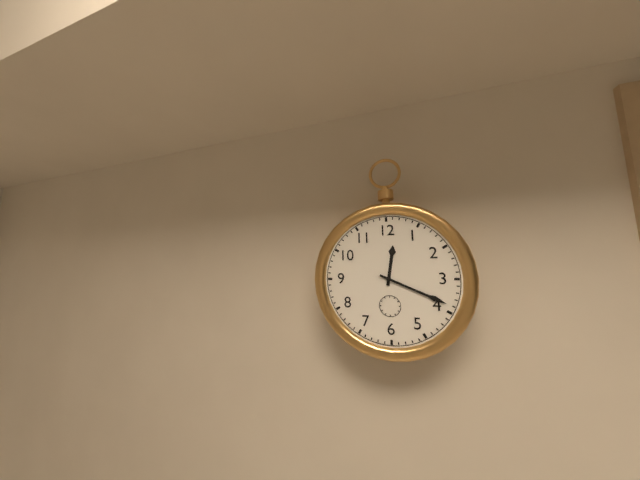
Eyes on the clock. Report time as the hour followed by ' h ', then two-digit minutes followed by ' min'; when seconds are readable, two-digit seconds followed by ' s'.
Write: 12 h 19 min
